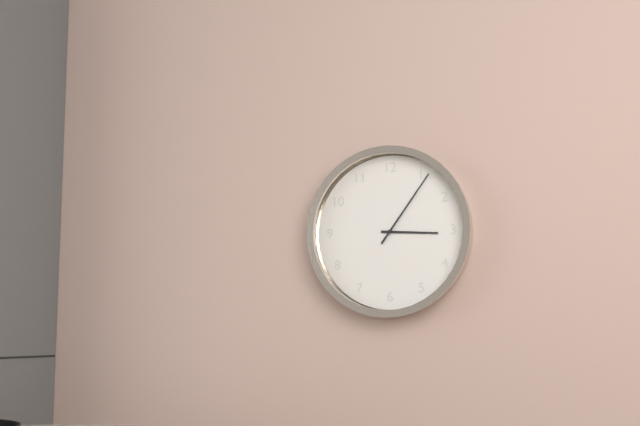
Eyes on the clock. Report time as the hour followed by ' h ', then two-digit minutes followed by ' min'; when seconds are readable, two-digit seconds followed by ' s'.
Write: 3 h 06 min
